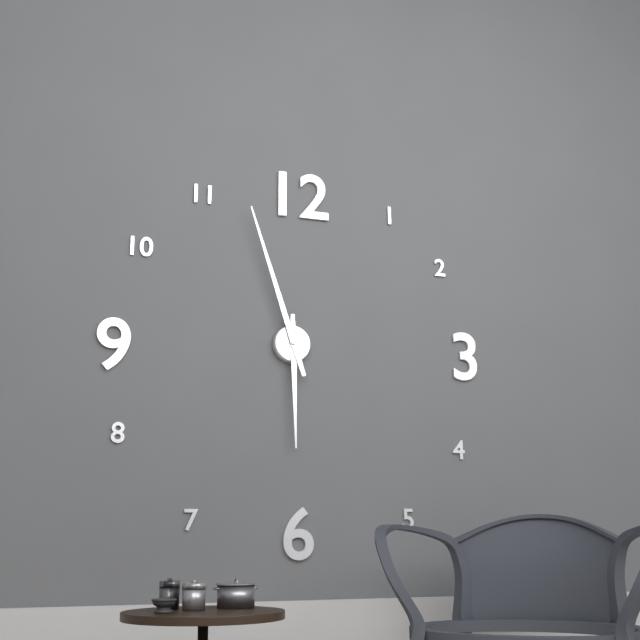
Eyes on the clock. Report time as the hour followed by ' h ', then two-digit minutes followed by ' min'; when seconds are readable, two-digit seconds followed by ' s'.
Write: 5 h 57 min
